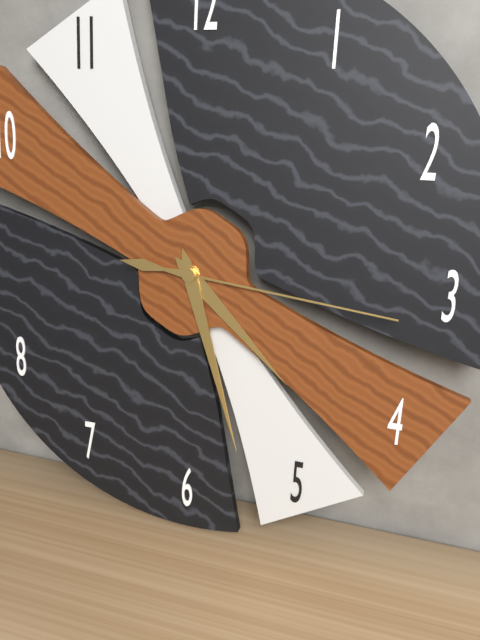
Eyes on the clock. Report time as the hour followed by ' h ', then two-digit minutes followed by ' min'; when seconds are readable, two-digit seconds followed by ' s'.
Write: 4 h 27 min 16 s
